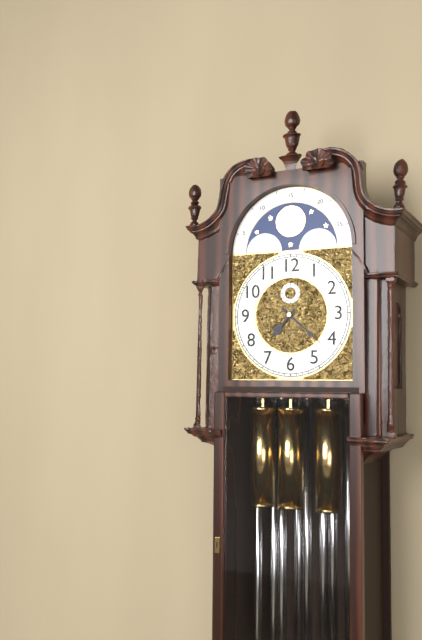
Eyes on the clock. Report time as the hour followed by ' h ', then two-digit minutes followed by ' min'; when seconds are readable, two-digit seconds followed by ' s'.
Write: 7 h 22 min
